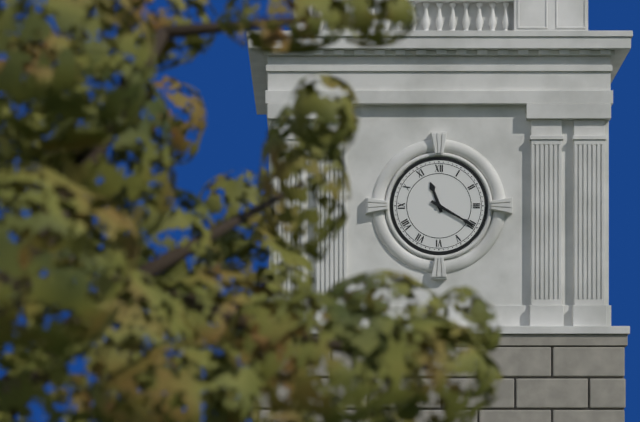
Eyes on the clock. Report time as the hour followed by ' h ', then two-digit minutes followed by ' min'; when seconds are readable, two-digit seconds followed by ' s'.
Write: 11 h 20 min
